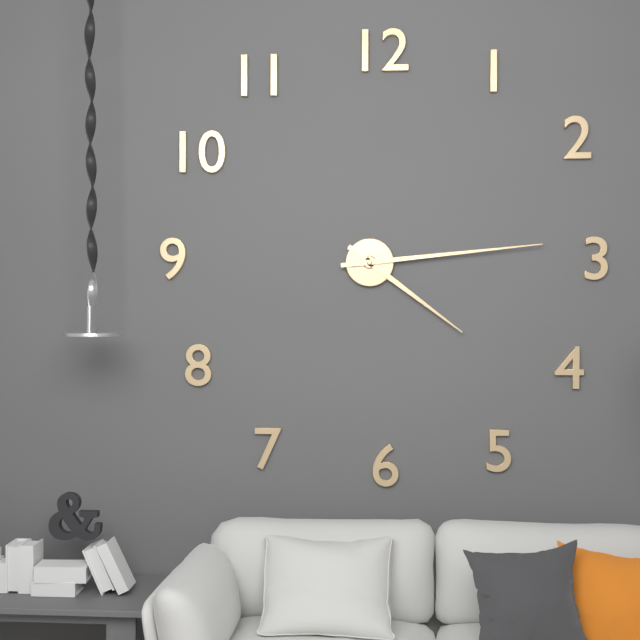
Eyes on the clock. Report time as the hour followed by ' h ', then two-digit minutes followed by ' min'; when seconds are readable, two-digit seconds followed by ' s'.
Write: 4 h 14 min
